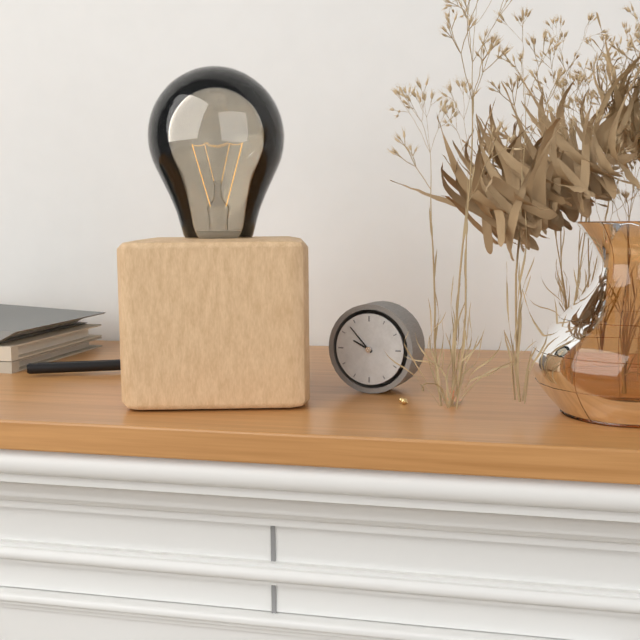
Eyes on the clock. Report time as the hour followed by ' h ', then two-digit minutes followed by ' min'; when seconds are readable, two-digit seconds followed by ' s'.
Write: 9 h 53 min
